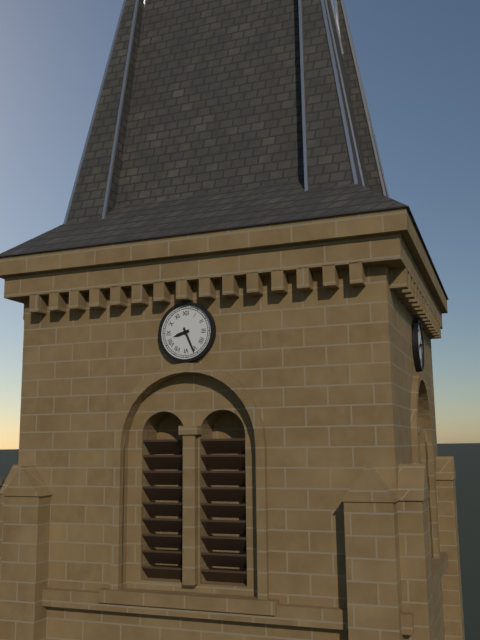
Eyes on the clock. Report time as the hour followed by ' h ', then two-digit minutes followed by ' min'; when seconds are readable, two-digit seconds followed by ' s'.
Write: 8 h 26 min
